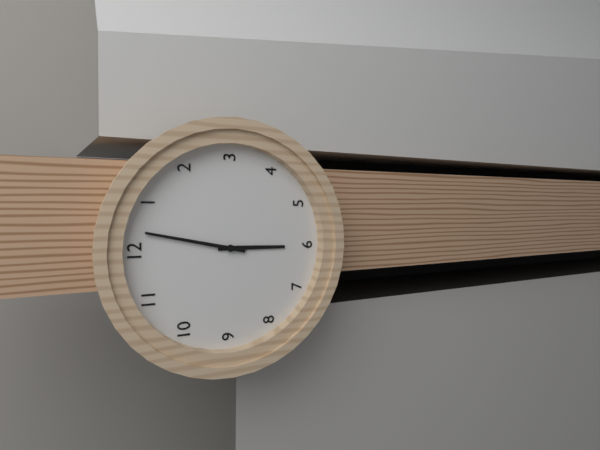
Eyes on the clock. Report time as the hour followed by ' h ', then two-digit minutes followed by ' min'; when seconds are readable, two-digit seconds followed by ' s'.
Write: 6 h 02 min
